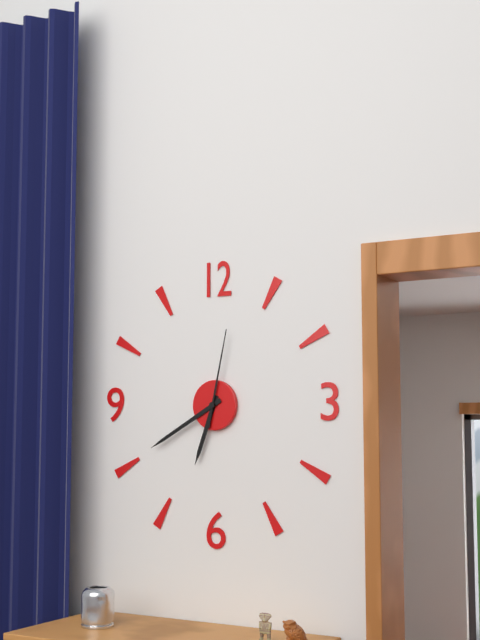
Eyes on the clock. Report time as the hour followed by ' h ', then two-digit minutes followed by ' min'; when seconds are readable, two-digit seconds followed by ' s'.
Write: 6 h 40 min 02 s
